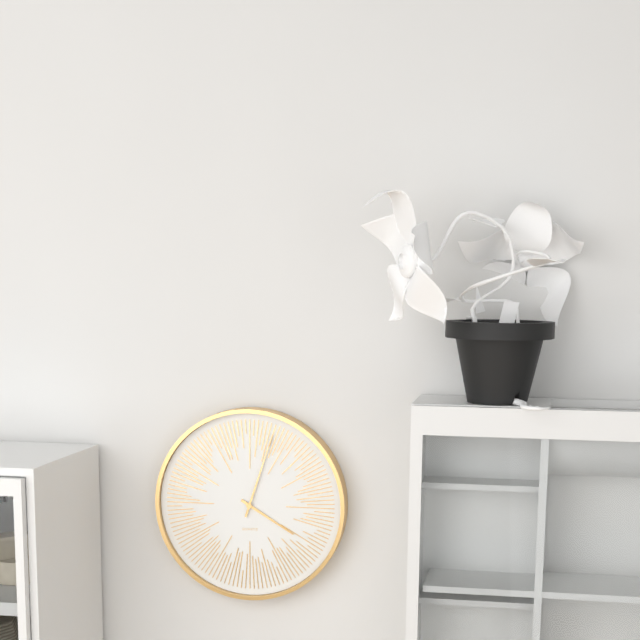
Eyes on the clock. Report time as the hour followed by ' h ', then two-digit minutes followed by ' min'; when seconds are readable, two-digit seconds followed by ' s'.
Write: 4 h 03 min
